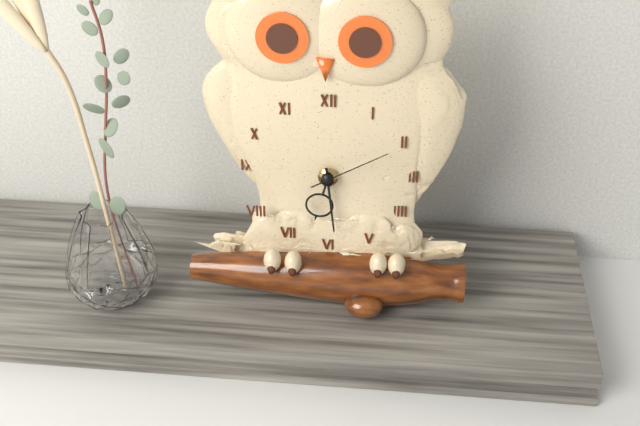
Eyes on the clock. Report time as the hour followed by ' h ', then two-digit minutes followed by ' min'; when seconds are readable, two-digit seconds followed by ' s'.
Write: 6 h 29 min 10 s
